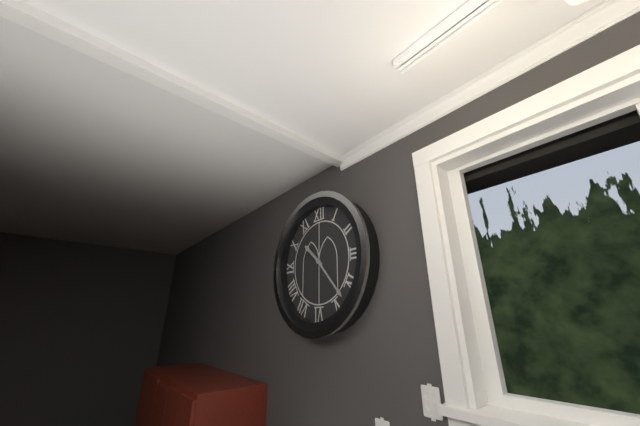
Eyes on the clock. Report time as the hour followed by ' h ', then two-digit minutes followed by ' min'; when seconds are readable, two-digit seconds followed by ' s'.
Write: 10 h 23 min
